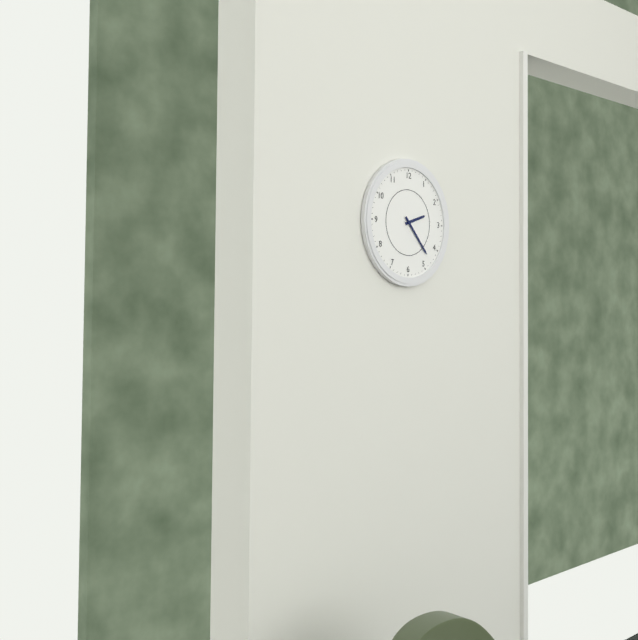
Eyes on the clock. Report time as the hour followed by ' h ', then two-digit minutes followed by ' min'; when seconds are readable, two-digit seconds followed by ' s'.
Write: 2 h 23 min
